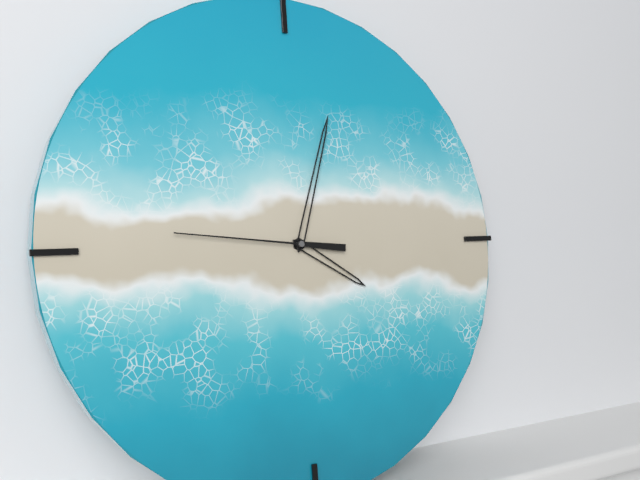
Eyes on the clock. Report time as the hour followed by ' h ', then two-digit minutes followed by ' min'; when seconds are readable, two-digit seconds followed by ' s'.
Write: 4 h 03 min 46 s
